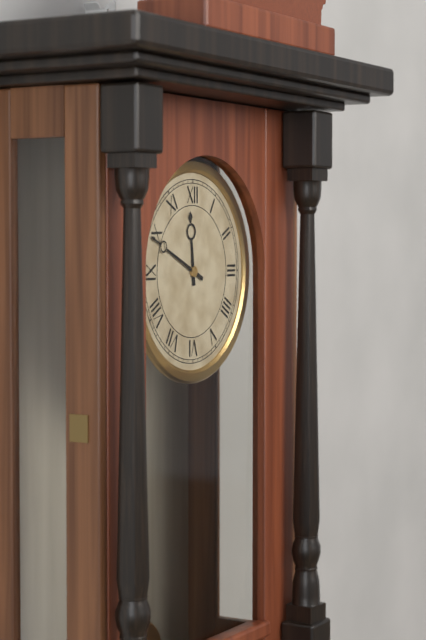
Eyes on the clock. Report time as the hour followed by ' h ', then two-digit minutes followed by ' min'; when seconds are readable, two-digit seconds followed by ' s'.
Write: 11 h 49 min
